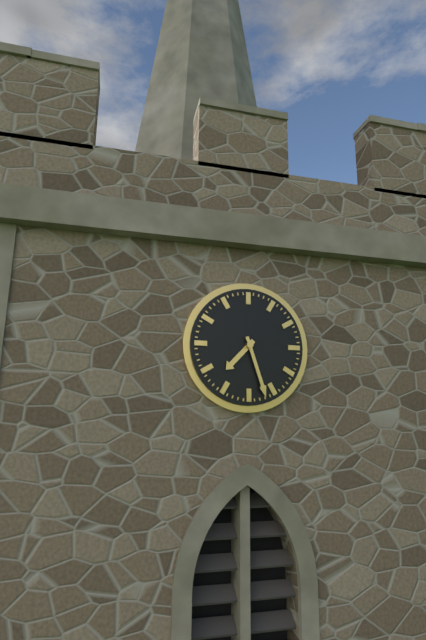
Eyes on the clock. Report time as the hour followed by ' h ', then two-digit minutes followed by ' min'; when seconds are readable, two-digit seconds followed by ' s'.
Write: 7 h 27 min
